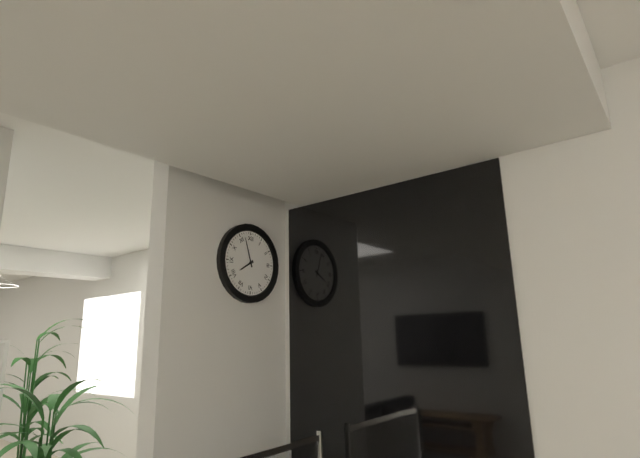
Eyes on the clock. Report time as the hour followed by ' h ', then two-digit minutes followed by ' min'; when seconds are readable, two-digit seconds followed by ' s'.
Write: 7 h 57 min
